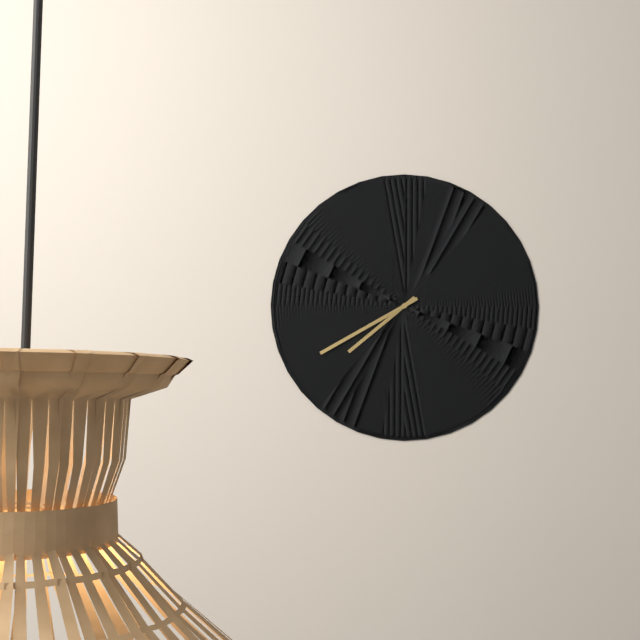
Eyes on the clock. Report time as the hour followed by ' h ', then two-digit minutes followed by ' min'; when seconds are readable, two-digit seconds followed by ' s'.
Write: 7 h 40 min
